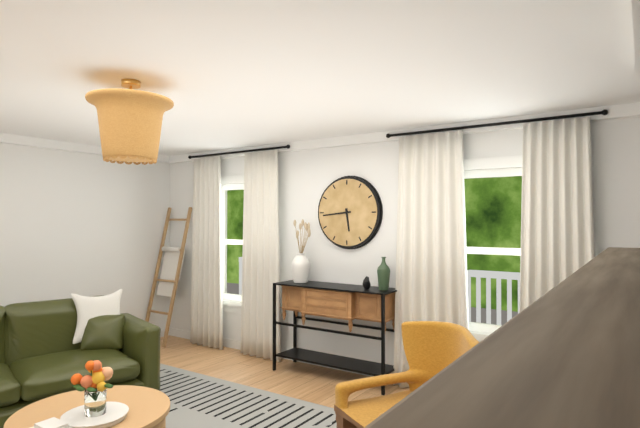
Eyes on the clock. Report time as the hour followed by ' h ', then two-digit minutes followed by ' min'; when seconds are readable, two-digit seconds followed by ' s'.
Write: 5 h 44 min
